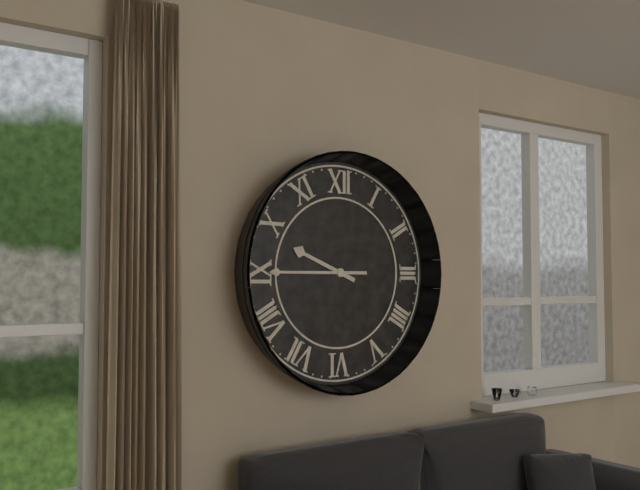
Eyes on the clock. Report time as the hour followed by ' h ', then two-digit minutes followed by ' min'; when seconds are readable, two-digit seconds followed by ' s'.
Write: 9 h 45 min
